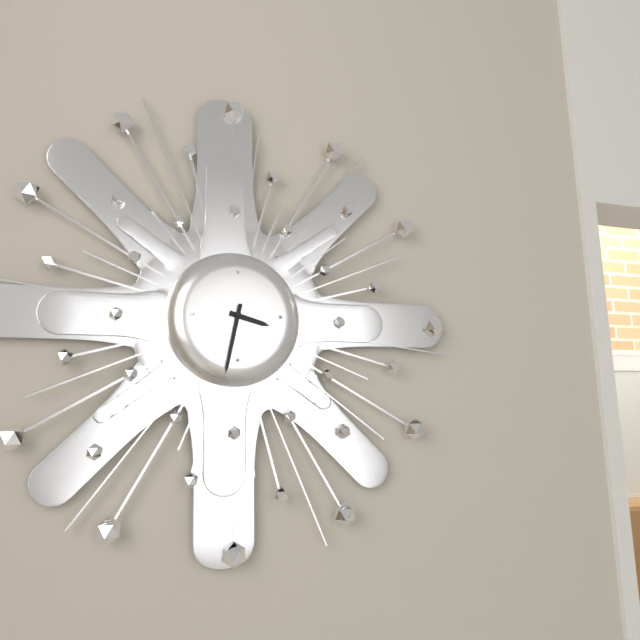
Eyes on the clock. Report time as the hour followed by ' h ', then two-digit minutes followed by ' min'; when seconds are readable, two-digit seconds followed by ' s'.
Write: 3 h 32 min
